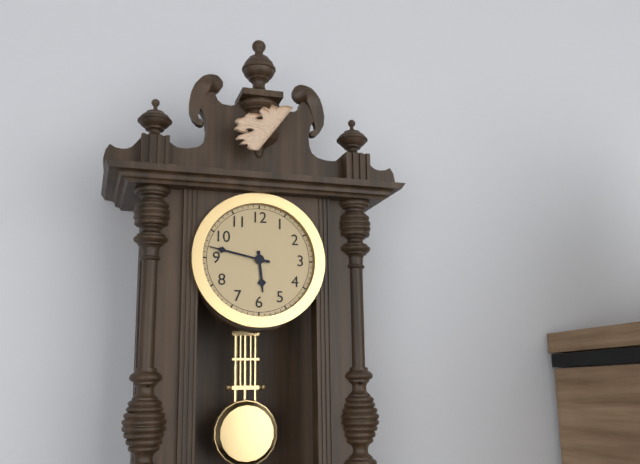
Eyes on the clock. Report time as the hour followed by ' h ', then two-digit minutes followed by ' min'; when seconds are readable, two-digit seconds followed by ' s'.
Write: 5 h 47 min
